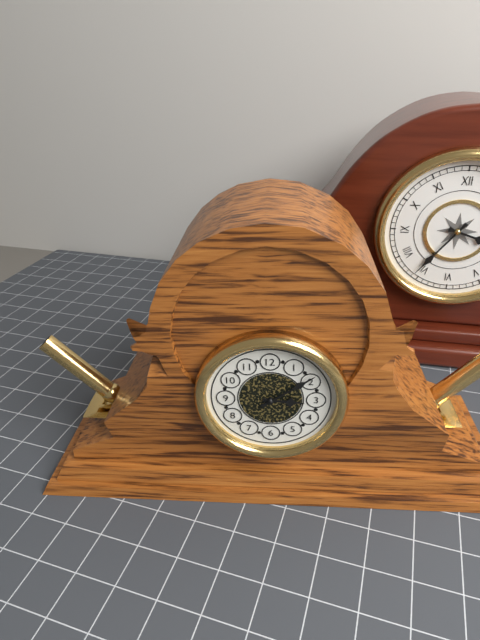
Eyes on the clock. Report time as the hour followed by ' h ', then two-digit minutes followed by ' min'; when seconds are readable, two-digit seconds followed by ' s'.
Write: 3 h 09 min
